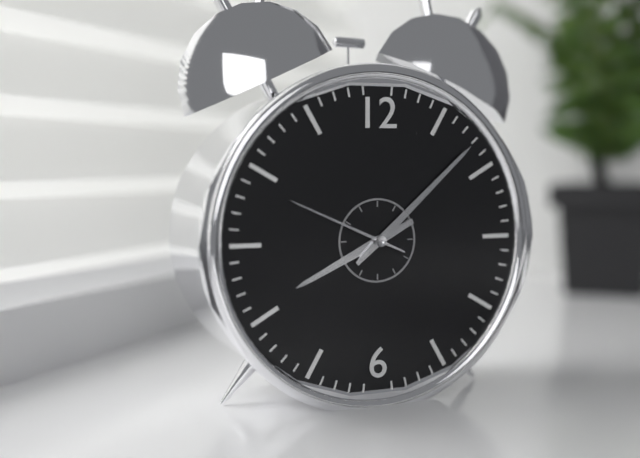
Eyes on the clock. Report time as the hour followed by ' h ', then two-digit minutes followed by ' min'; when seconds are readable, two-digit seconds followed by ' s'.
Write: 8 h 08 min 49 s
